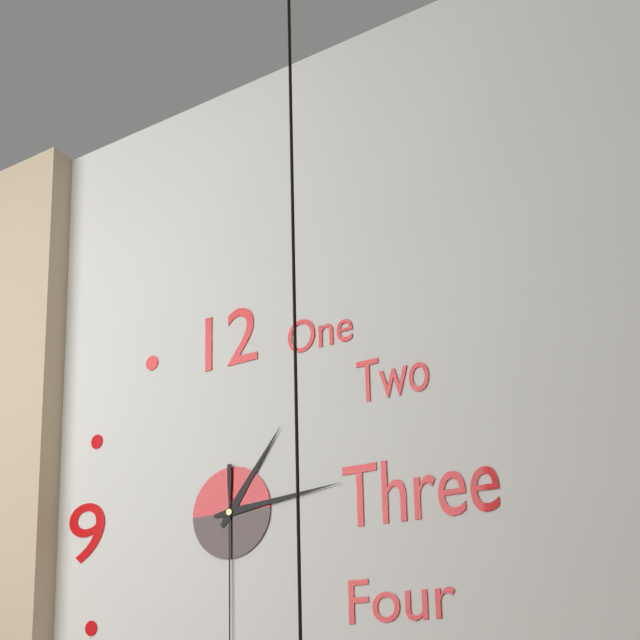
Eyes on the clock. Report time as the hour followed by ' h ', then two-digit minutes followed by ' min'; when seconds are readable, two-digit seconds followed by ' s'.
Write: 1 h 14 min
